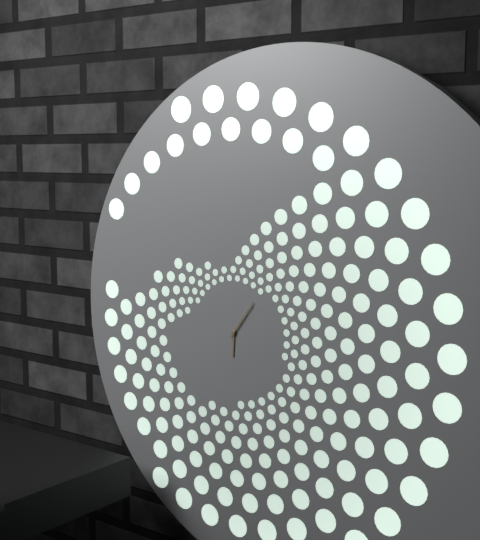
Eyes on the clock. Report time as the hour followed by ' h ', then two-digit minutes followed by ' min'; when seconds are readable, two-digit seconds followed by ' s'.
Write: 6 h 06 min
